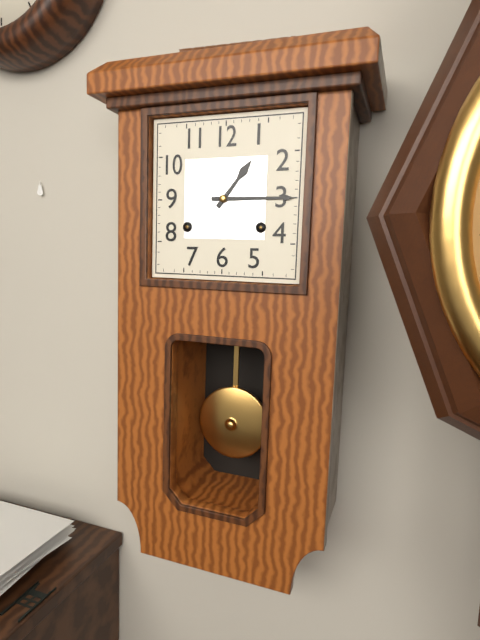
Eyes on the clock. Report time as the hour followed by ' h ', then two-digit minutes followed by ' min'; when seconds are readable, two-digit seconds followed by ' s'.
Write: 1 h 15 min
